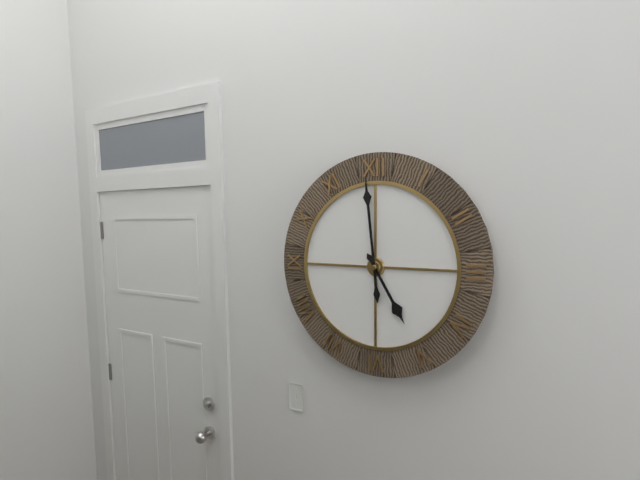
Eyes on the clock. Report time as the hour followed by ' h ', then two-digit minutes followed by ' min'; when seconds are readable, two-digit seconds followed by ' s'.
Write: 4 h 59 min
